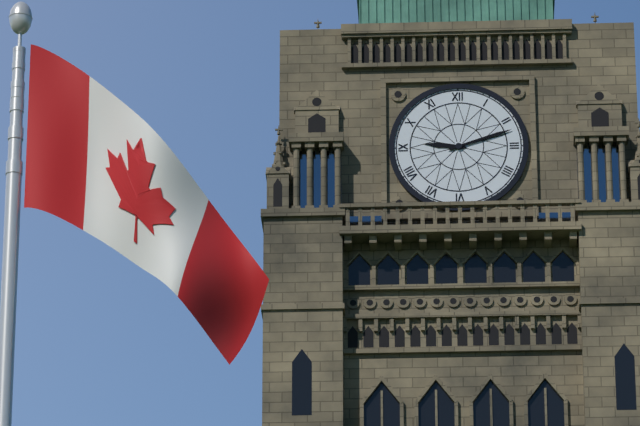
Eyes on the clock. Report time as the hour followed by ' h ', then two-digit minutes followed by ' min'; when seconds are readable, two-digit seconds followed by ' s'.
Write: 9 h 12 min
